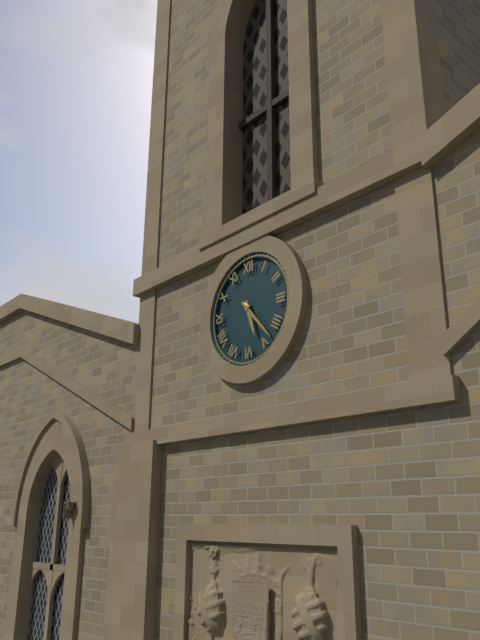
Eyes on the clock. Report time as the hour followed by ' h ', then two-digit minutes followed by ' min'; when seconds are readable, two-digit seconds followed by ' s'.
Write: 5 h 23 min
